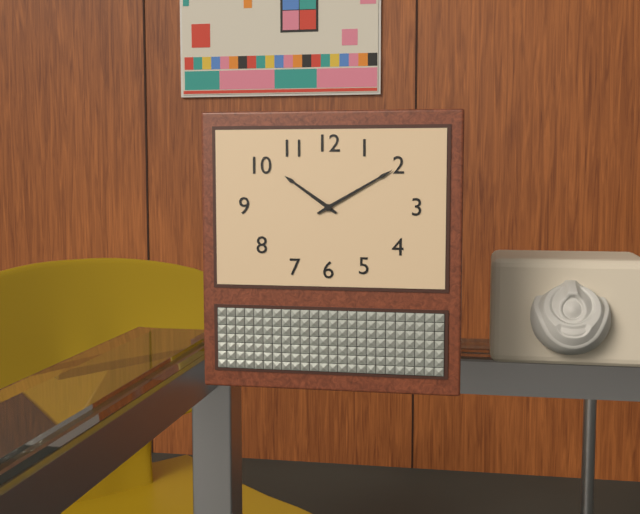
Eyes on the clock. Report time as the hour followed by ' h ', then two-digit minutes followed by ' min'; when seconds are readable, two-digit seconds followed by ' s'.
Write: 10 h 10 min
